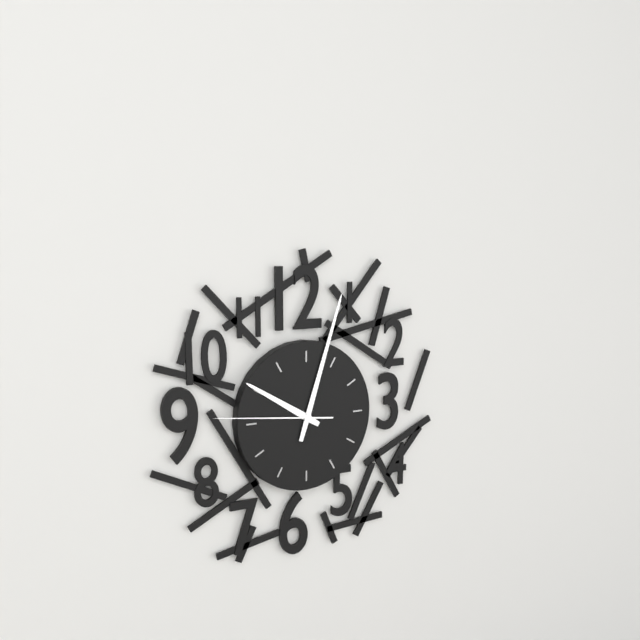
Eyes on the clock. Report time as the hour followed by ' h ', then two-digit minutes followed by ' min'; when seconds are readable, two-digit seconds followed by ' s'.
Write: 10 h 03 min 46 s
